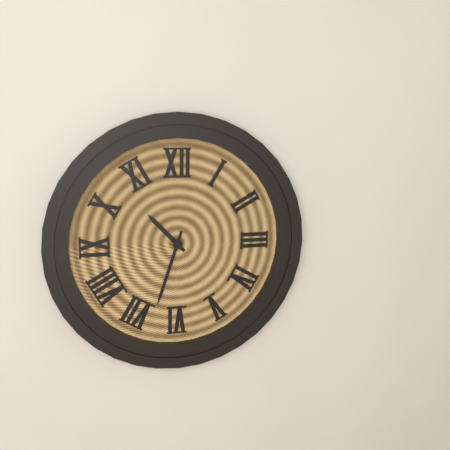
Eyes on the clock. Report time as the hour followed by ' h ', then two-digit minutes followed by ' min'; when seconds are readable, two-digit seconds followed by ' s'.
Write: 10 h 33 min
